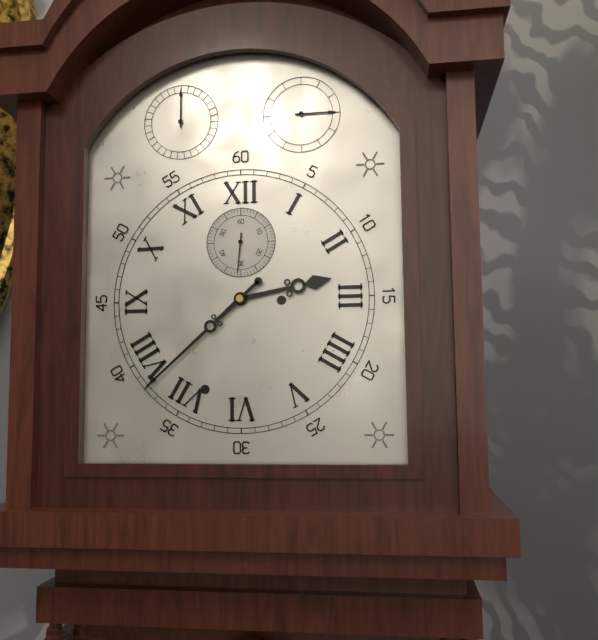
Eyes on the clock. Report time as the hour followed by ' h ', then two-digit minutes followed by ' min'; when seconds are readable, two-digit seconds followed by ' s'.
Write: 2 h 38 min
